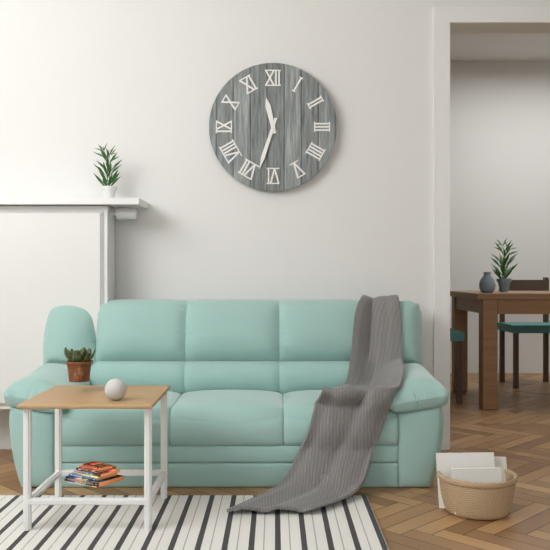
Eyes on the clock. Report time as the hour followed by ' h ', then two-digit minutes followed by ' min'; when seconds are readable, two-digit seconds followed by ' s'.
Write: 11 h 33 min
